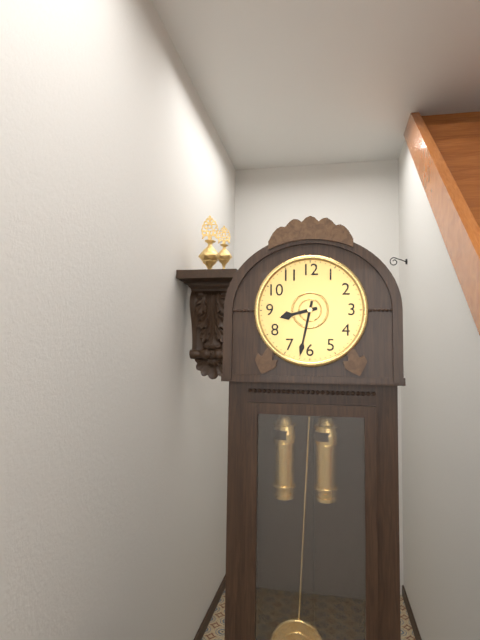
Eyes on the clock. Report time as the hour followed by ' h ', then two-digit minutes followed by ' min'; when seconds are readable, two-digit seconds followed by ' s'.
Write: 8 h 32 min
